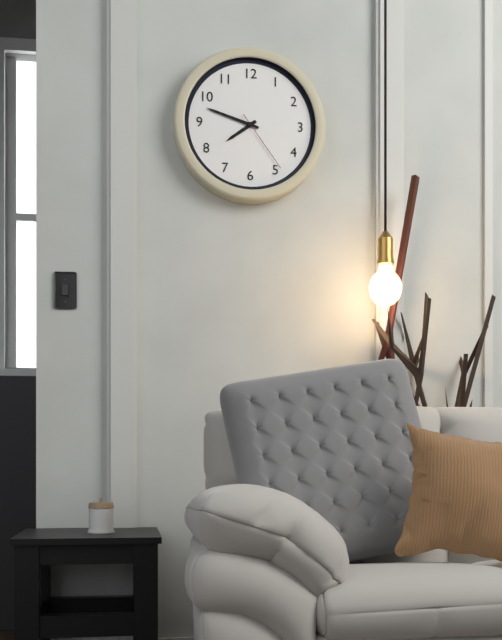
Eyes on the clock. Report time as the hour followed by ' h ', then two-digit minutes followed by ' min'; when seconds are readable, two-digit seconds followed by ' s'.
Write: 7 h 48 min 24 s
